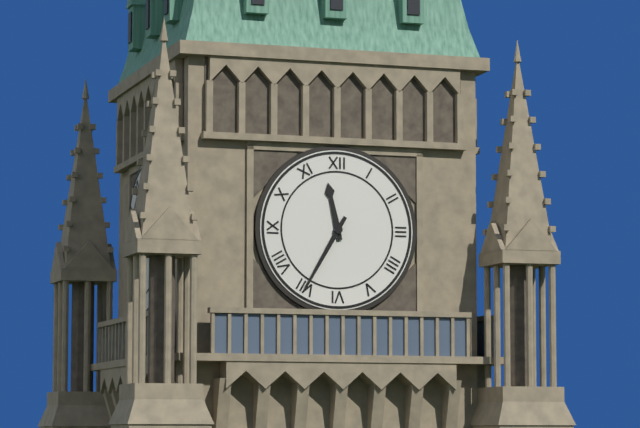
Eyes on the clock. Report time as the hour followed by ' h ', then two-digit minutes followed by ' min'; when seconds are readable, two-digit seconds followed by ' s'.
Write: 11 h 35 min
